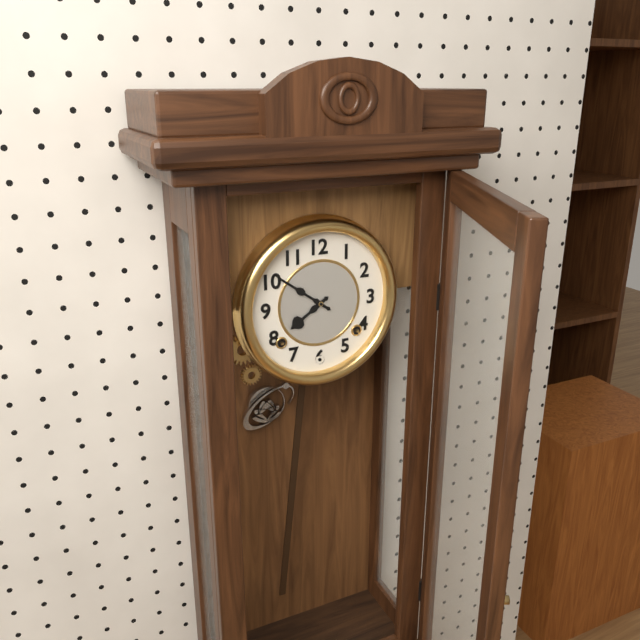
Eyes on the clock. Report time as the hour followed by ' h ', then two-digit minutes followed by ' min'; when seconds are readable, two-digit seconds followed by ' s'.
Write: 7 h 51 min
